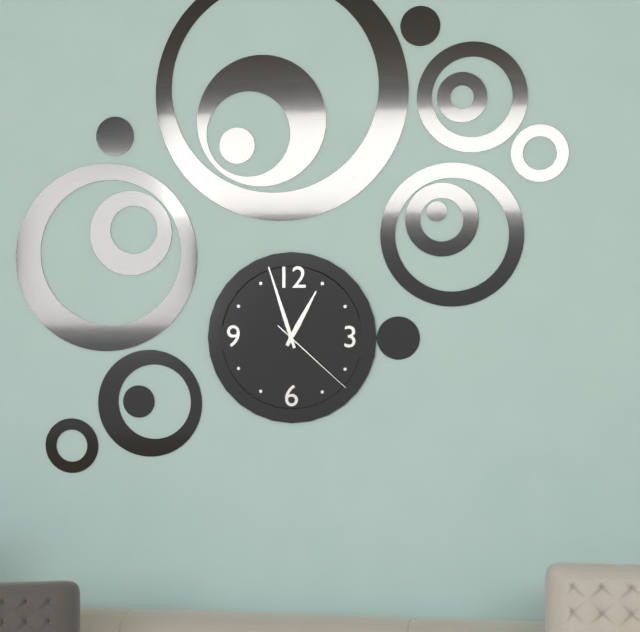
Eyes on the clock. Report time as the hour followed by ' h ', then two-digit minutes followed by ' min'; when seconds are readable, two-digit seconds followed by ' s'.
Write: 12 h 57 min 22 s
